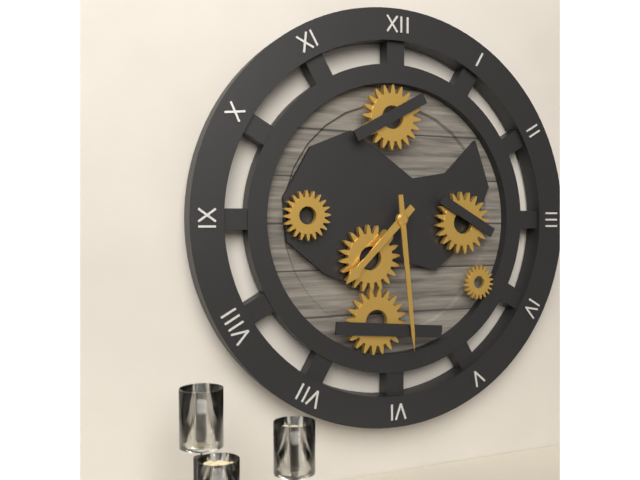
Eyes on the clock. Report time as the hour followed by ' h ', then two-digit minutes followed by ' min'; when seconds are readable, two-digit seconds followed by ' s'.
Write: 7 h 29 min
